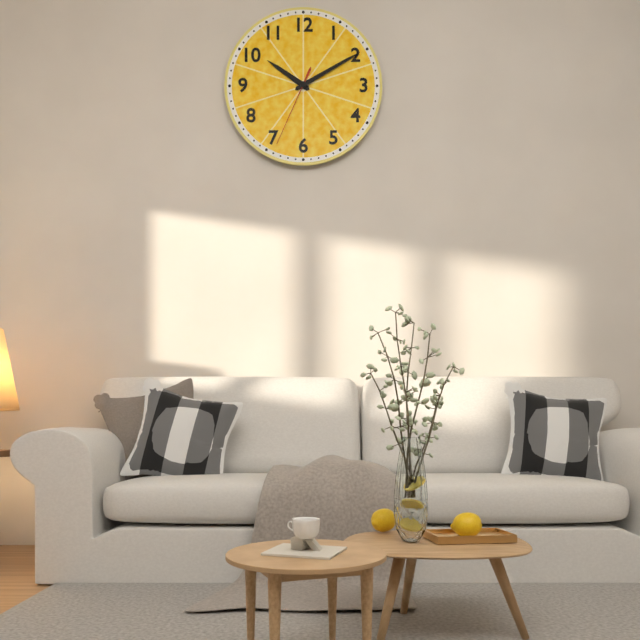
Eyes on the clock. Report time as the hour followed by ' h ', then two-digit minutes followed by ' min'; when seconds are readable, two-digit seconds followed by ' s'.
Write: 10 h 10 min 34 s
